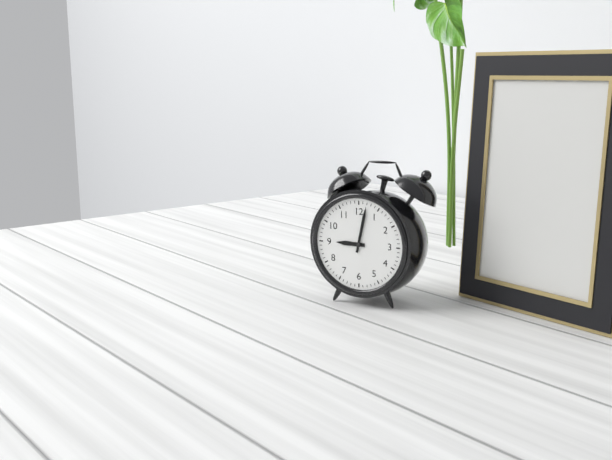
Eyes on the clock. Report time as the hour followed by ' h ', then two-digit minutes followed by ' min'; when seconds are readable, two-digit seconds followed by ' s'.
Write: 9 h 02 min
